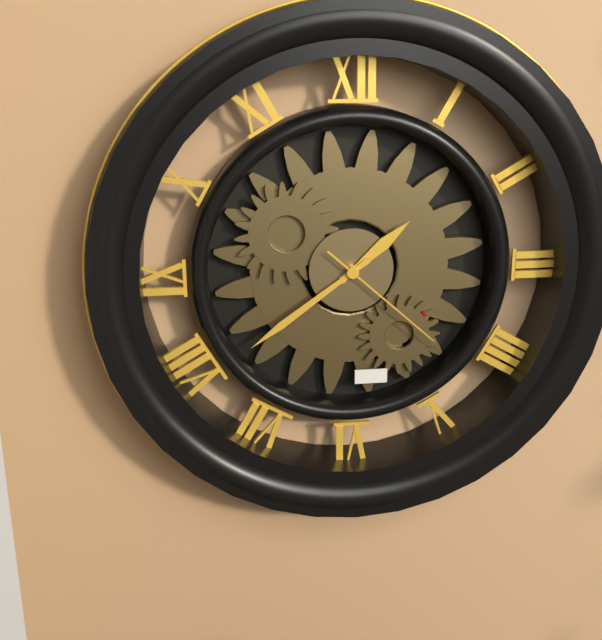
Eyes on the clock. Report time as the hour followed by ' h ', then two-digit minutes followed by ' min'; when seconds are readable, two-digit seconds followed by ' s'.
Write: 1 h 39 min 22 s
